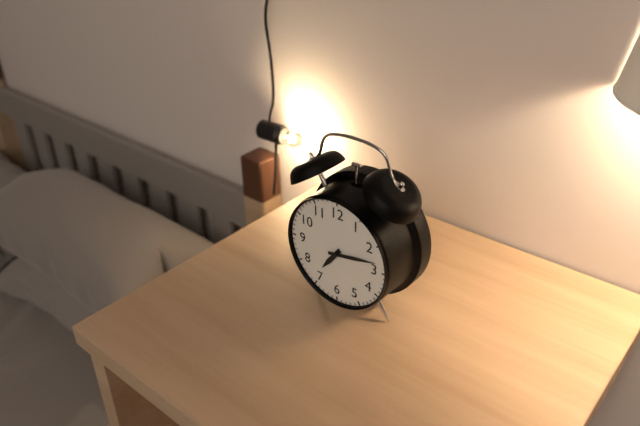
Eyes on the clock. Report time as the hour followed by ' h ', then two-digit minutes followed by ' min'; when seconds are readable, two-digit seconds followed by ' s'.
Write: 7 h 13 min
